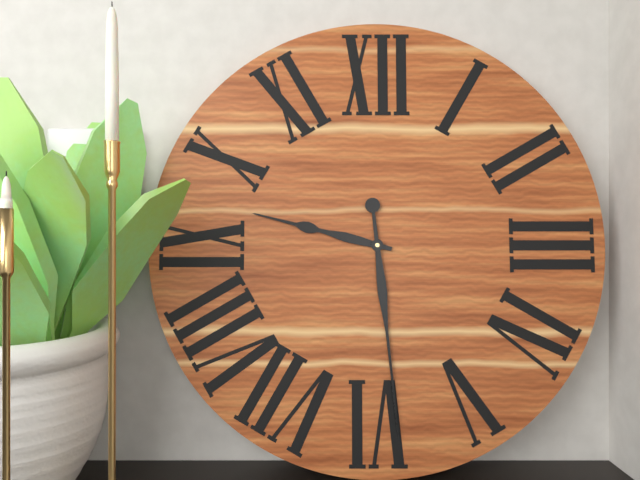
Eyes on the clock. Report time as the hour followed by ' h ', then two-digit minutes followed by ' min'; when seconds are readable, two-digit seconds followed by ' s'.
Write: 9 h 29 min
